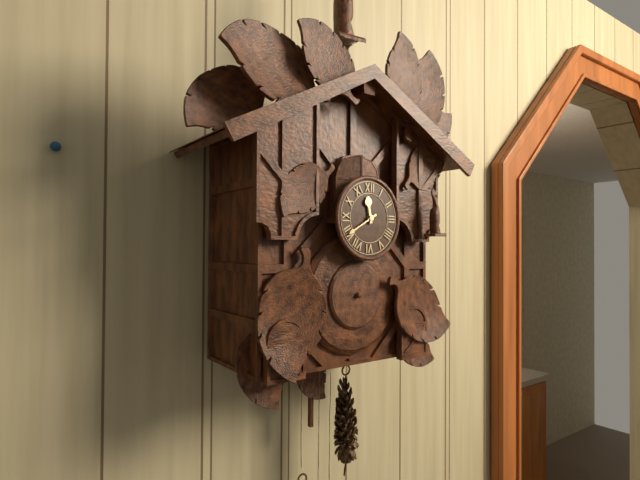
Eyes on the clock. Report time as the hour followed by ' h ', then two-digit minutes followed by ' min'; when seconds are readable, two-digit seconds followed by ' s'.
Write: 11 h 40 min
